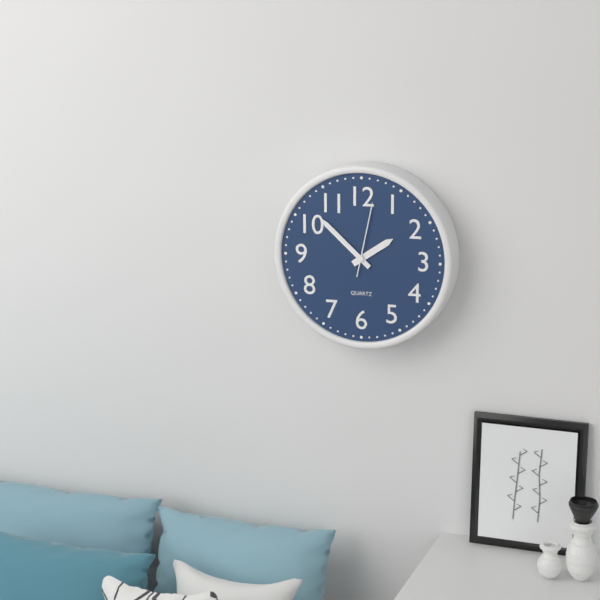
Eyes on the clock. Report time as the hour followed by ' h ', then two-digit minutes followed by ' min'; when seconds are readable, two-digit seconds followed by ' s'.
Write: 1 h 52 min 02 s
